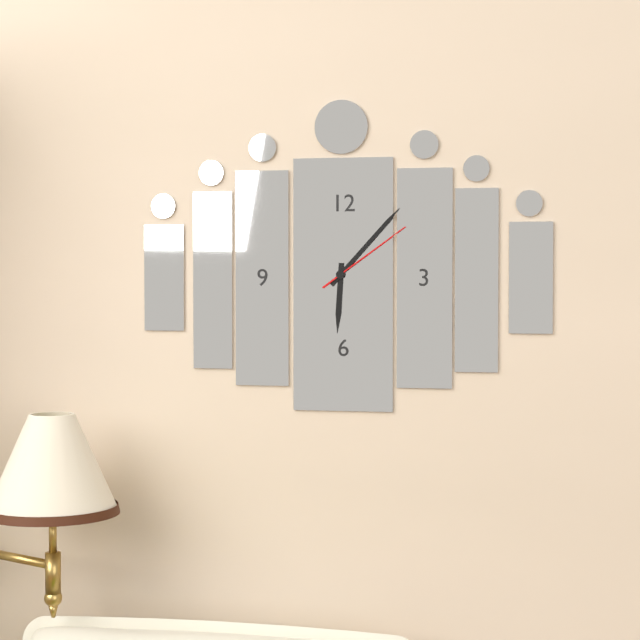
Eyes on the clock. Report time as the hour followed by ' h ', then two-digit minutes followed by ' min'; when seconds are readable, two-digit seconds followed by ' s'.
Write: 6 h 07 min 09 s
